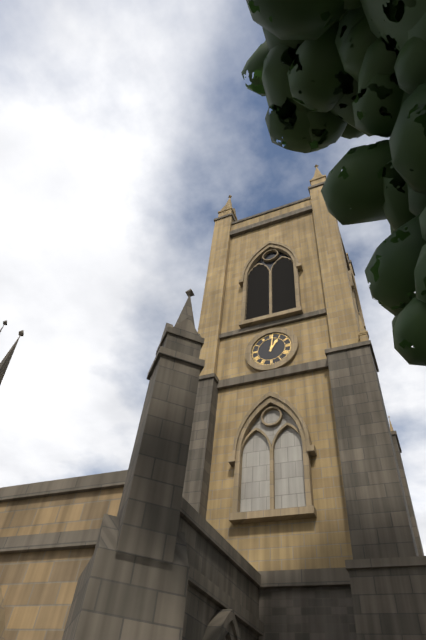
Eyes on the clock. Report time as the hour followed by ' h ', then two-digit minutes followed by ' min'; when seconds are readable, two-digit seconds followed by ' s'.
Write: 1 h 01 min
